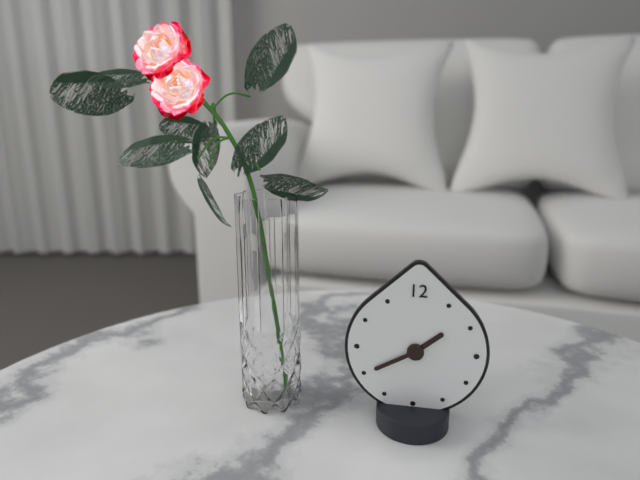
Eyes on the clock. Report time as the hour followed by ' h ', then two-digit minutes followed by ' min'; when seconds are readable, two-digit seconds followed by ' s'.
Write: 1 h 40 min
